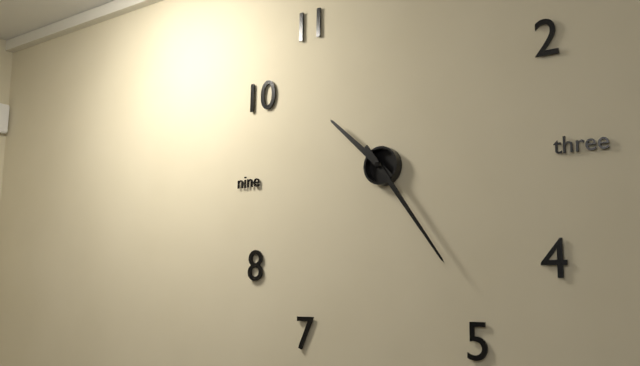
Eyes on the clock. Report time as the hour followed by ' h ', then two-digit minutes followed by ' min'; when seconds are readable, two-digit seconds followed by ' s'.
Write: 10 h 24 min
